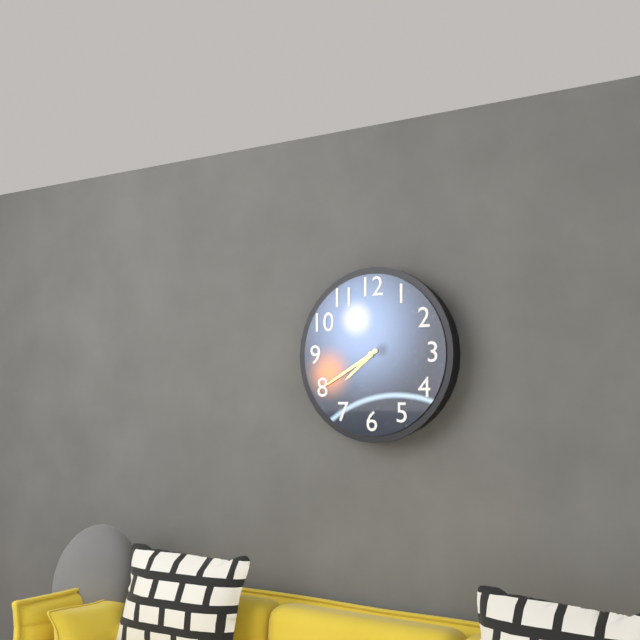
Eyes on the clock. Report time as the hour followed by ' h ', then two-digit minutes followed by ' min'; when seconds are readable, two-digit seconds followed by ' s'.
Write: 7 h 40 min
